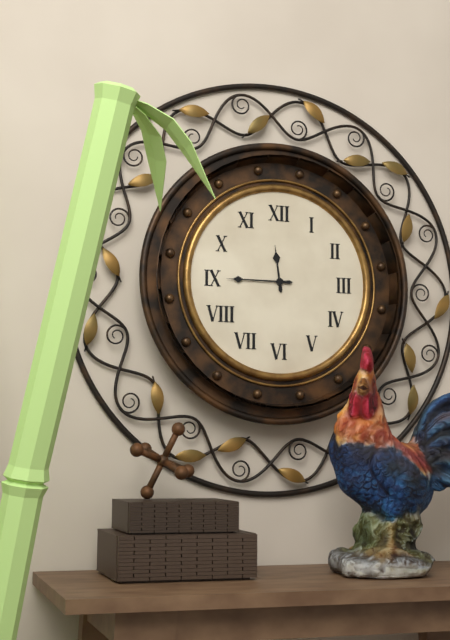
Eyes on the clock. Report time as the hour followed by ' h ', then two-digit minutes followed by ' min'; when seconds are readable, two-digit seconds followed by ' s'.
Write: 11 h 45 min
